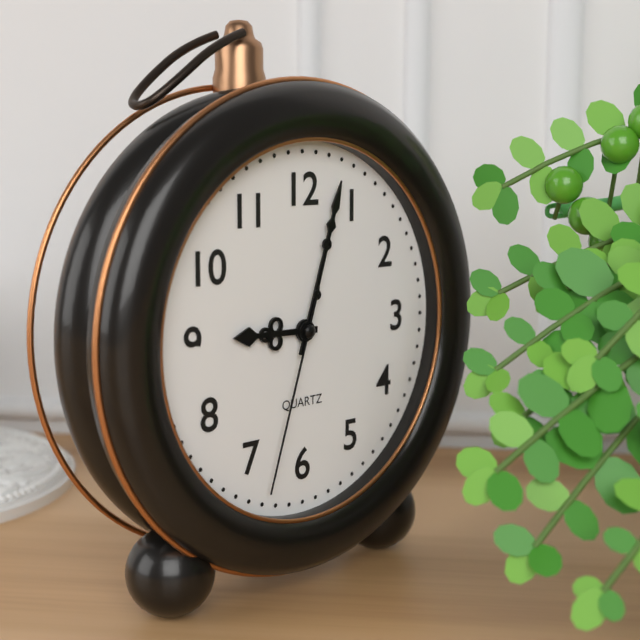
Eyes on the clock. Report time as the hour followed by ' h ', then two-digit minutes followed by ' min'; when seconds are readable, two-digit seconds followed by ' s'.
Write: 9 h 03 min 33 s
